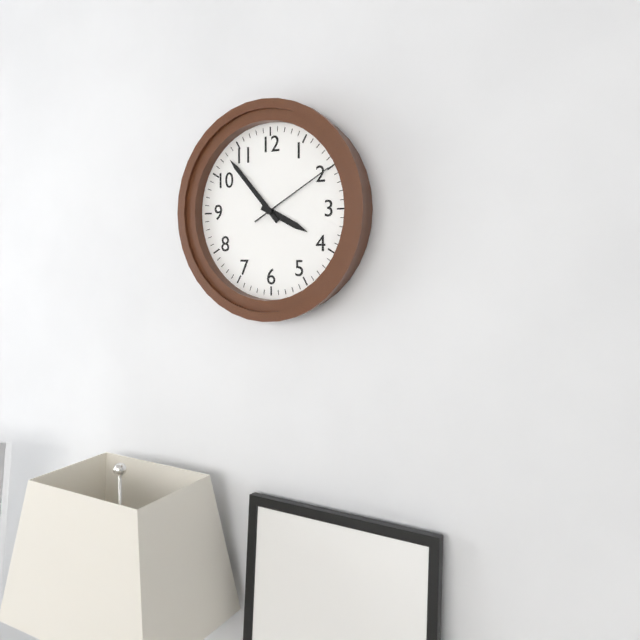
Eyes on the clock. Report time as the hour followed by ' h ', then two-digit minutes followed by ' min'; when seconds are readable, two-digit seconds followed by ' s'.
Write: 3 h 53 min 10 s
